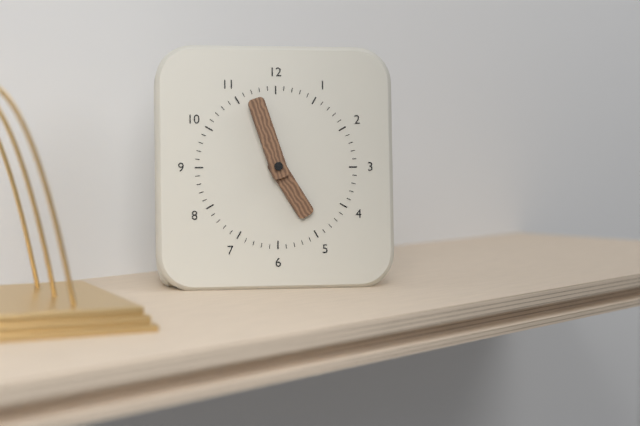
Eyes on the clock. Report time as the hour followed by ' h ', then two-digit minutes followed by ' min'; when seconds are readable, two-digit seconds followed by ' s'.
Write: 4 h 57 min
